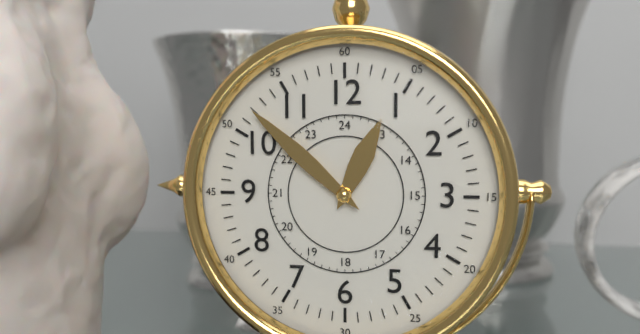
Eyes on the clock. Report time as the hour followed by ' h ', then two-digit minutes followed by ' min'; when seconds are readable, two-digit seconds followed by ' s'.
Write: 12 h 52 min
